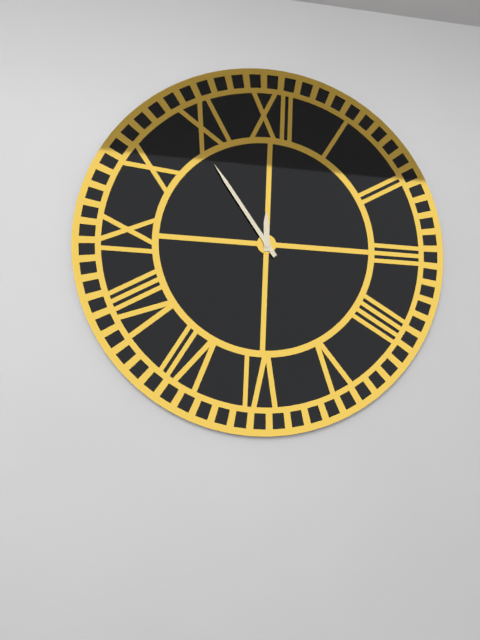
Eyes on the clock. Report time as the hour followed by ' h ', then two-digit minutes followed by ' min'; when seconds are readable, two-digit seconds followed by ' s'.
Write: 11 h 54 min
